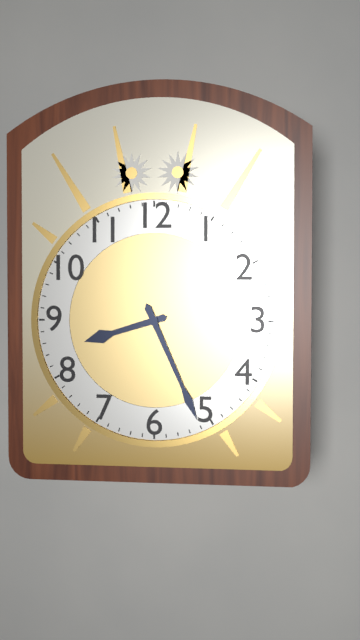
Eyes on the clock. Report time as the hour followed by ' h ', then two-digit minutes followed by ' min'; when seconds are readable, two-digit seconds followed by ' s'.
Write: 8 h 26 min
